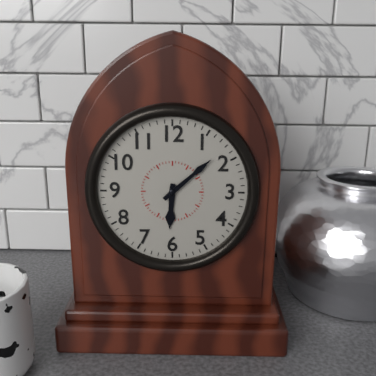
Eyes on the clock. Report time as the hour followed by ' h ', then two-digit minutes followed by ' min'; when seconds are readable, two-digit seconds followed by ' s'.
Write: 6 h 08 min
